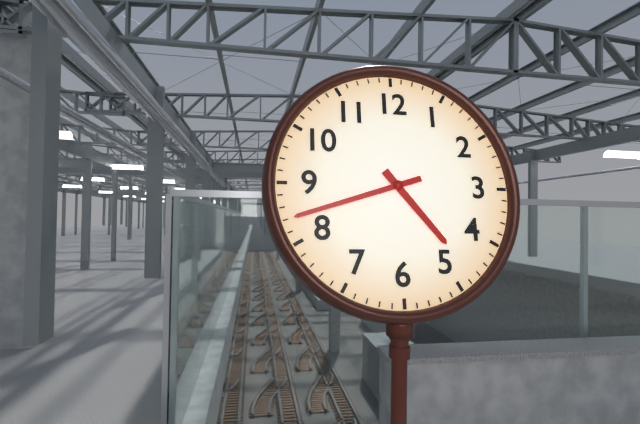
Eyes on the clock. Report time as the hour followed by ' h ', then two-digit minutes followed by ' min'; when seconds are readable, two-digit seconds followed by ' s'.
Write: 4 h 42 min
